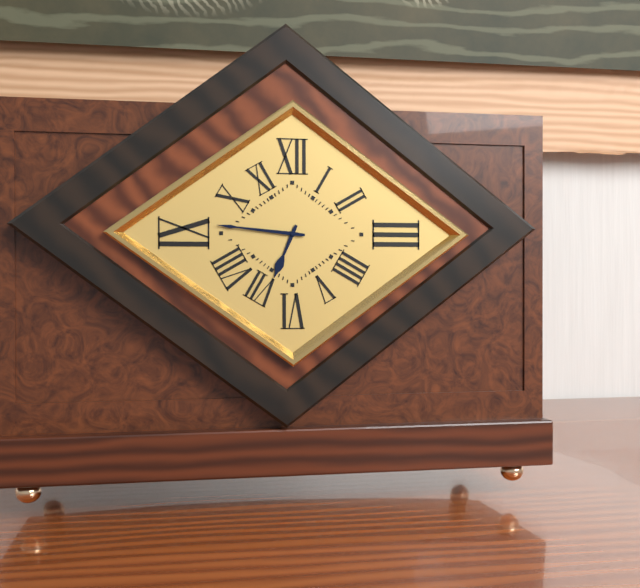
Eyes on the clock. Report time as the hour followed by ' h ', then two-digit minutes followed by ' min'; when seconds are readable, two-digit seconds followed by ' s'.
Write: 6 h 46 min
